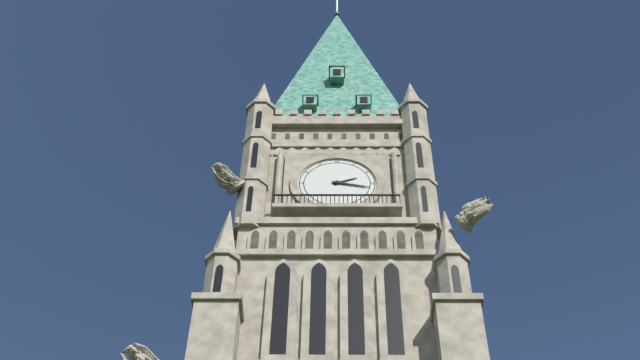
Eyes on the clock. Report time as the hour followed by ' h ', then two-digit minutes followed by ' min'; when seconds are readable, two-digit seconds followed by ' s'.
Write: 2 h 17 min
